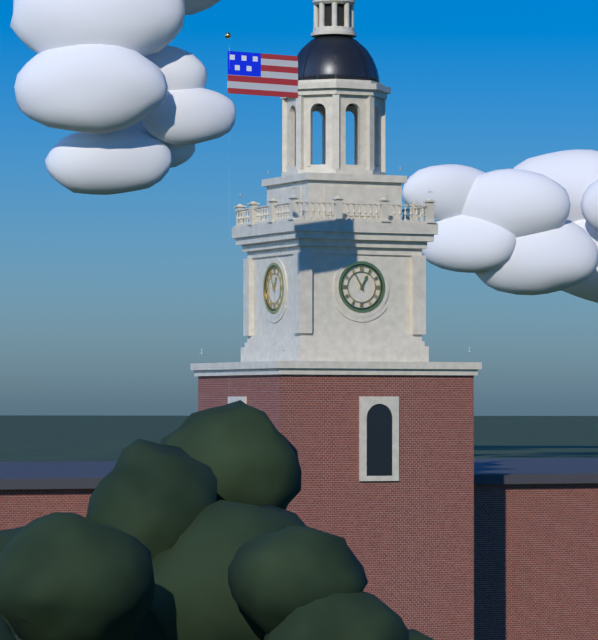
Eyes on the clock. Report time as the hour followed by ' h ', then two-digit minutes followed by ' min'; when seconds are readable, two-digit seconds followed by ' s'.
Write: 12 h 55 min
